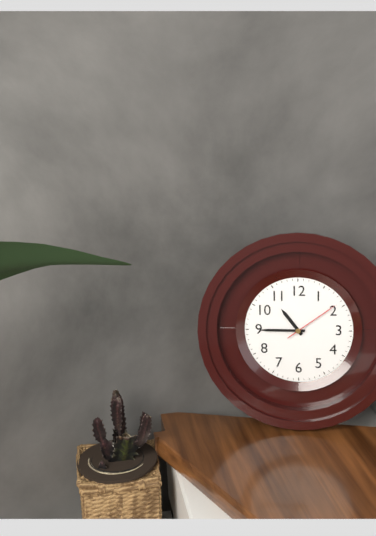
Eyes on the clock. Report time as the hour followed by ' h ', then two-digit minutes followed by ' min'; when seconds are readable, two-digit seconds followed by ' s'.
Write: 10 h 45 min 09 s
